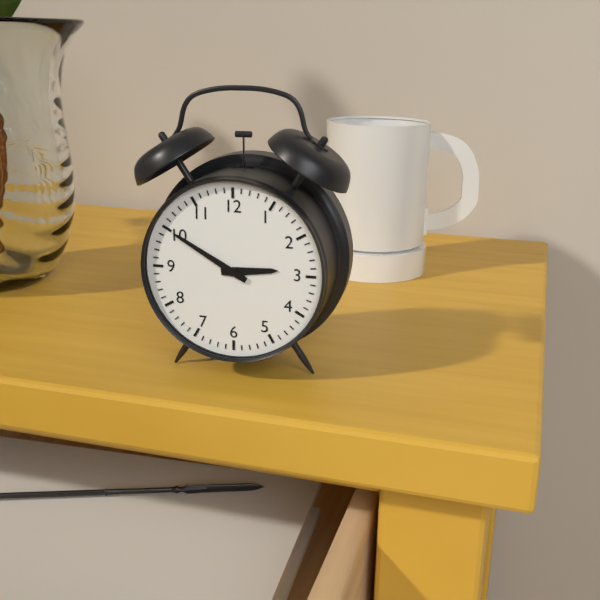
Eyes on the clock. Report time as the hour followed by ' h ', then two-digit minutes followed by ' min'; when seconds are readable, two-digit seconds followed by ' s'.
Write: 2 h 50 min
